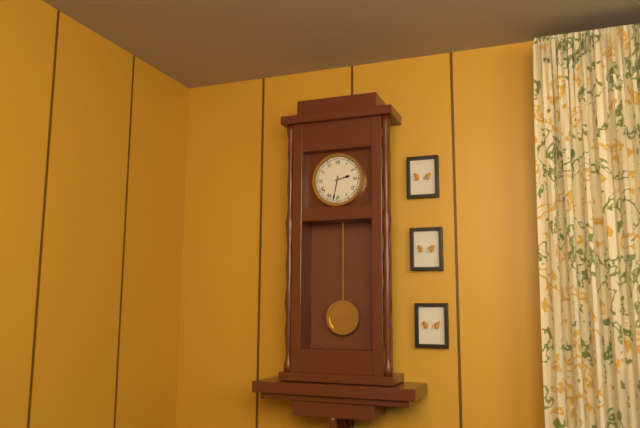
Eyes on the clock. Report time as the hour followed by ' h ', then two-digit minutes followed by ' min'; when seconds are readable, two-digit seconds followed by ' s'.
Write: 2 h 32 min
